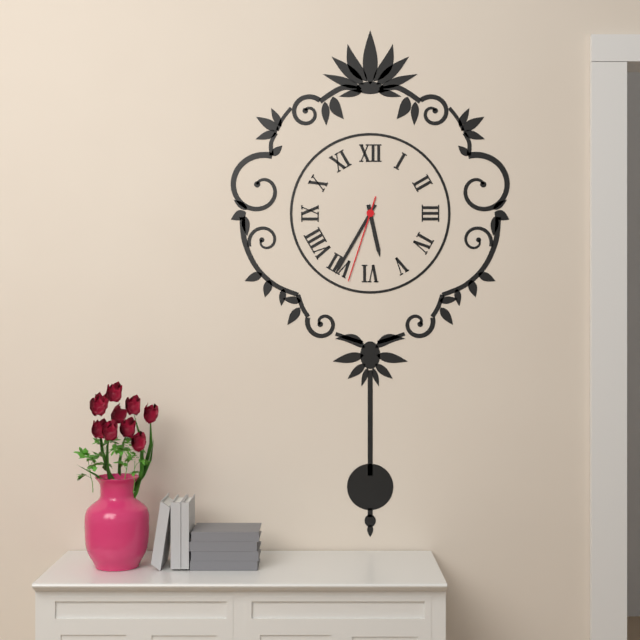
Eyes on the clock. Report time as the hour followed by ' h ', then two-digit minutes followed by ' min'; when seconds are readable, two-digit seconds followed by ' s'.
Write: 5 h 35 min 33 s
